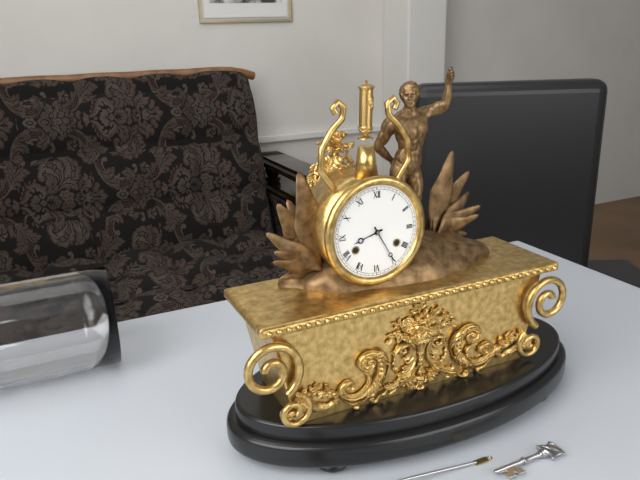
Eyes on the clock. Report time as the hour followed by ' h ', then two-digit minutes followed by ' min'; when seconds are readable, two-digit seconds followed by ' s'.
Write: 8 h 25 min
